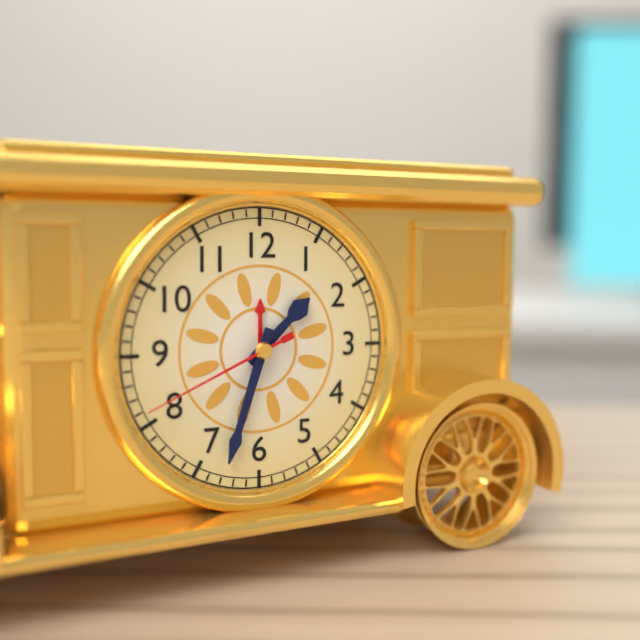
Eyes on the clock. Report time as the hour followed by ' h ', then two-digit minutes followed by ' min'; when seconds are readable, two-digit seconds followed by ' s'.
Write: 1 h 33 min 41 s
